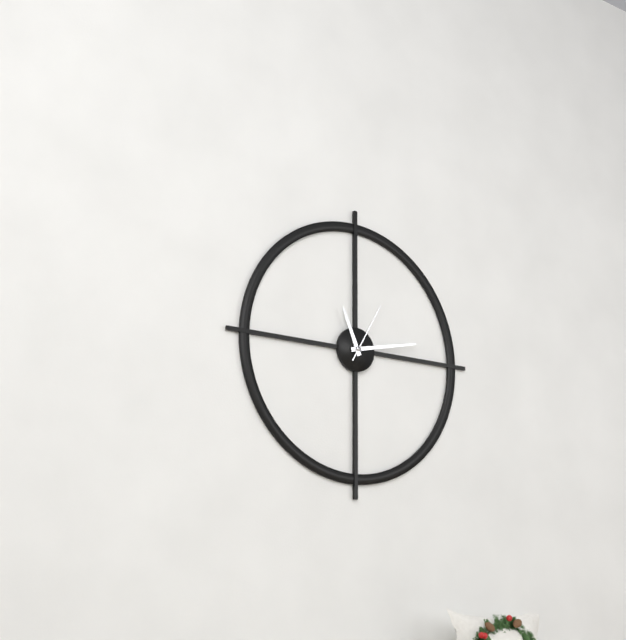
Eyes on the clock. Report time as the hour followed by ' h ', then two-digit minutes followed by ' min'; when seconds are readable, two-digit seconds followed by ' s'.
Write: 11 h 13 min 05 s
